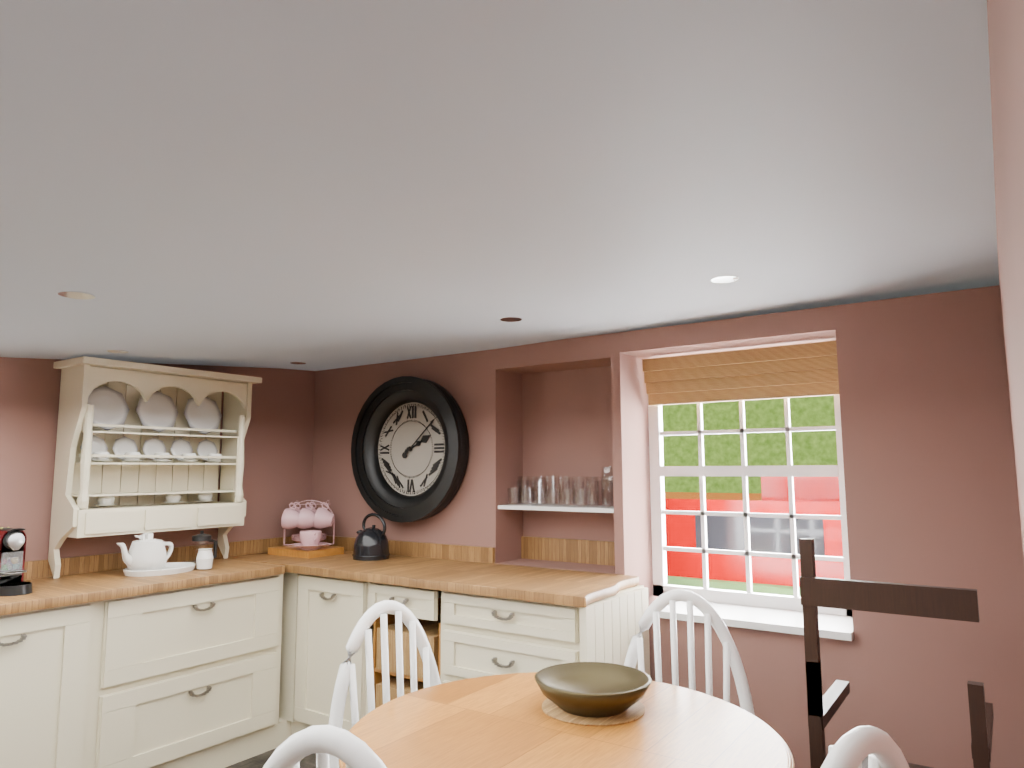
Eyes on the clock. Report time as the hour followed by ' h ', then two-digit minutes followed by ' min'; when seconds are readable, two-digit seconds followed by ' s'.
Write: 2 h 08 min
